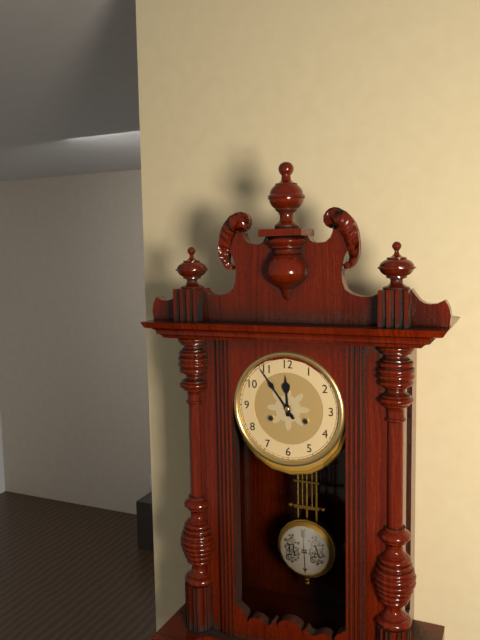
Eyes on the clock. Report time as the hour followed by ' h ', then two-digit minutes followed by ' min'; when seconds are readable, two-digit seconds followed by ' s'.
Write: 11 h 54 min
